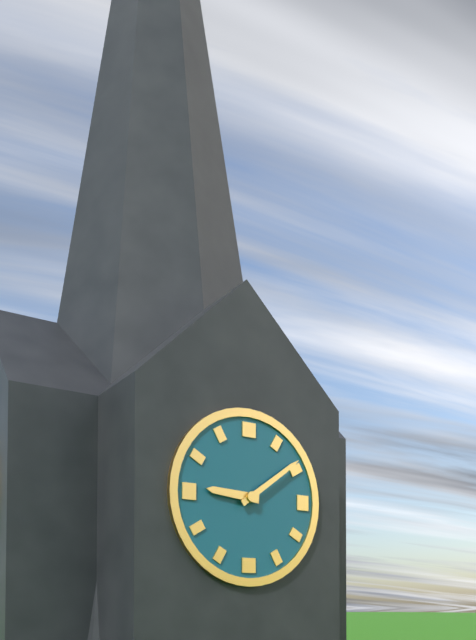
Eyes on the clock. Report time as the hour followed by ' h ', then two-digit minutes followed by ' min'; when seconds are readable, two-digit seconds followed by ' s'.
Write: 9 h 09 min
